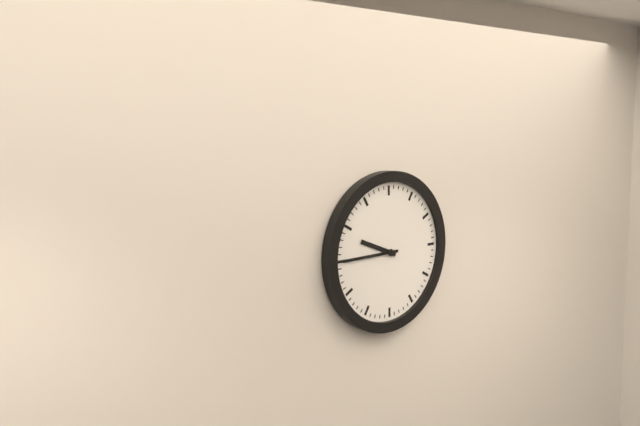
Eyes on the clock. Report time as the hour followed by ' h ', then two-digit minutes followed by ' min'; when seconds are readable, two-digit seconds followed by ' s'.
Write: 9 h 45 min
